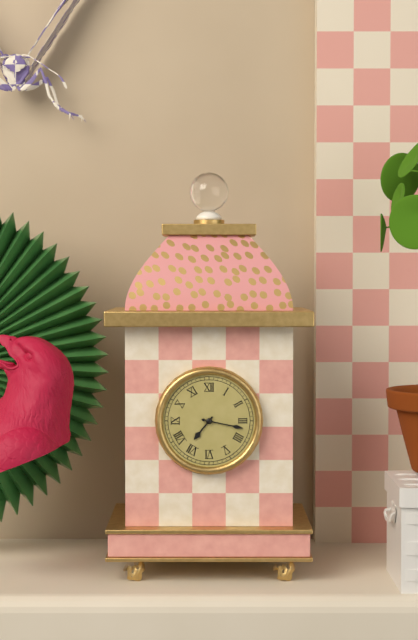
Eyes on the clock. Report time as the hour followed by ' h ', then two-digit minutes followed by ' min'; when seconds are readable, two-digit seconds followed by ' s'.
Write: 7 h 17 min
